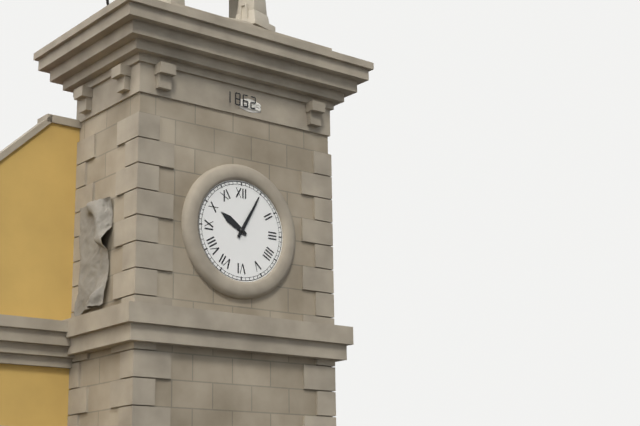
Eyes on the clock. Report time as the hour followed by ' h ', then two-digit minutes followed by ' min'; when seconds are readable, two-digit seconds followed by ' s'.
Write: 10 h 05 min
